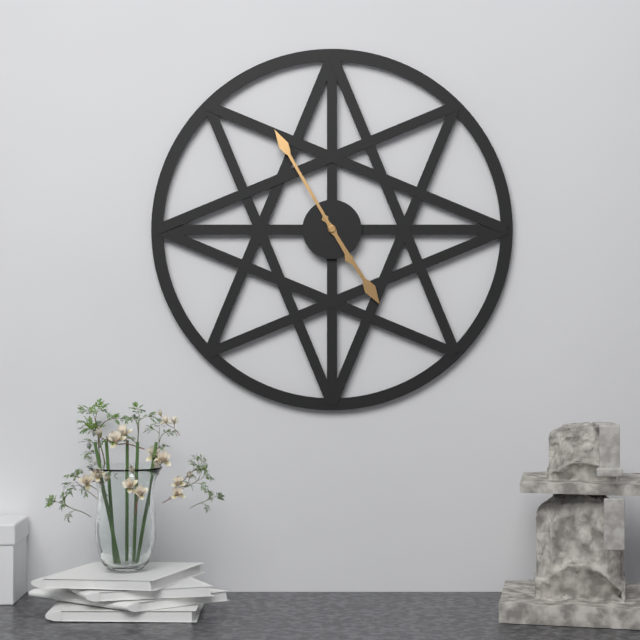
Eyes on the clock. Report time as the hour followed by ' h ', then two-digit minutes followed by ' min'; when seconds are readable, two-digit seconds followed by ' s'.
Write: 4 h 55 min
